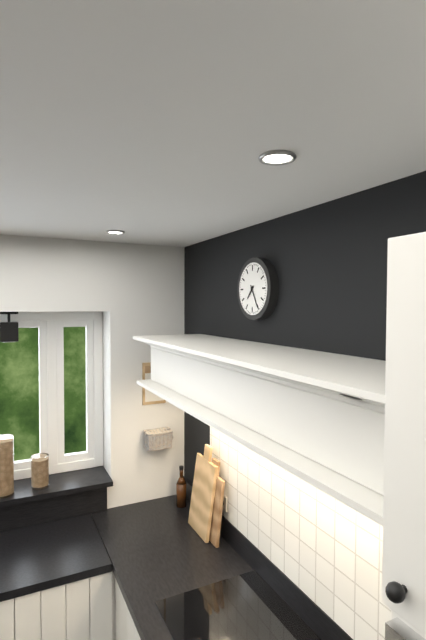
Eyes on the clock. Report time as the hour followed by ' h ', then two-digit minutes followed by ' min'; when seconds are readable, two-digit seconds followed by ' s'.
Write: 7 h 25 min
